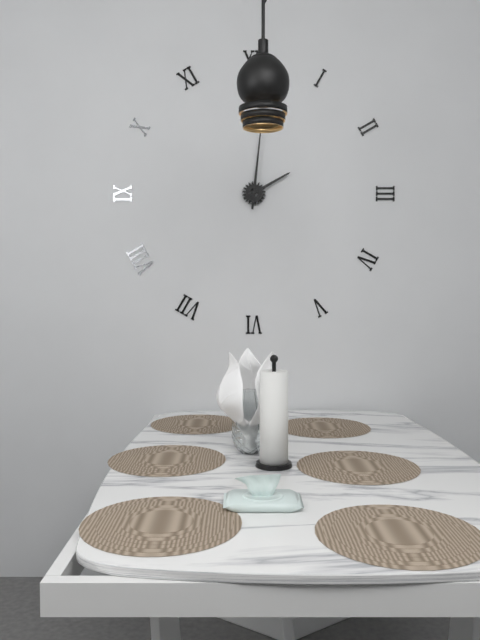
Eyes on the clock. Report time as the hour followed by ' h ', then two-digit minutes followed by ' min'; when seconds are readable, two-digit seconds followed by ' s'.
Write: 2 h 01 min
